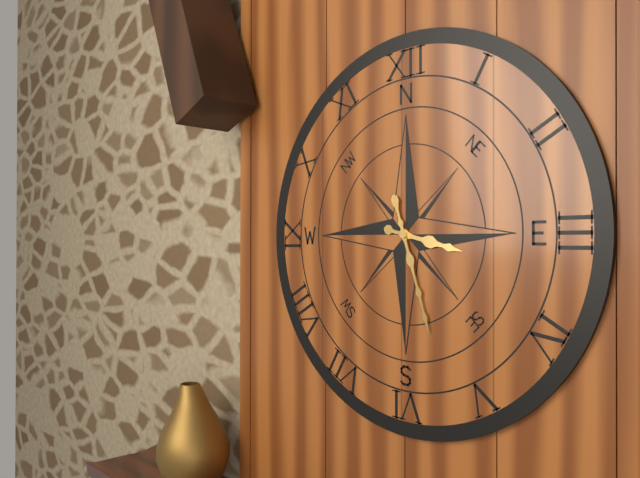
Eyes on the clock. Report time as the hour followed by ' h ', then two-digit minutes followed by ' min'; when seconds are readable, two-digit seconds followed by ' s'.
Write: 3 h 27 min
